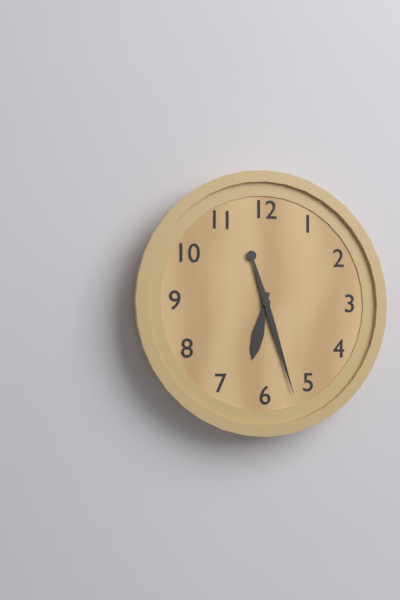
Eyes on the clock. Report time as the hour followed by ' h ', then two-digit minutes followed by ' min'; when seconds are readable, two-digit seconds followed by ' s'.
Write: 6 h 27 min
